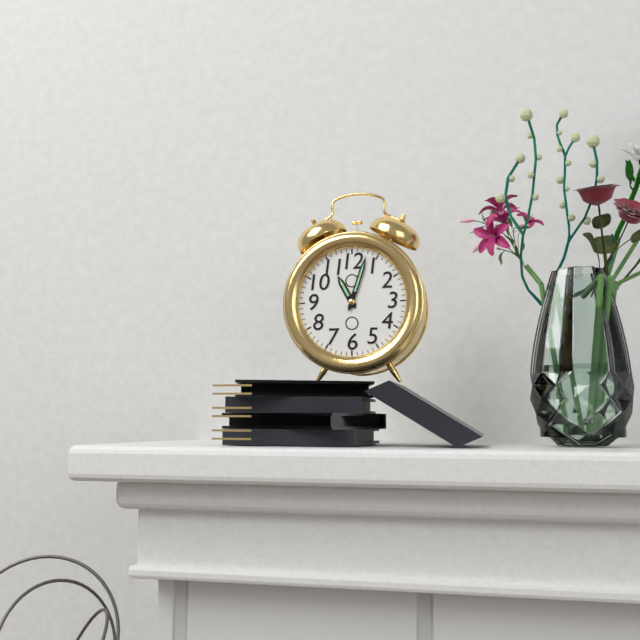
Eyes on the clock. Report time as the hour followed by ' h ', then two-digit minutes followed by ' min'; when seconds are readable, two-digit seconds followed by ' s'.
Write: 11 h 03 min
